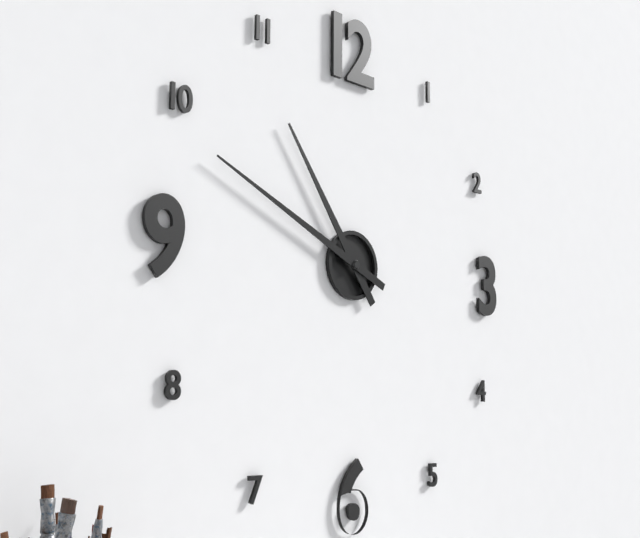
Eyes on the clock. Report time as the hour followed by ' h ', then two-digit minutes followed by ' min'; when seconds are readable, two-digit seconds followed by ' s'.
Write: 10 h 49 min
